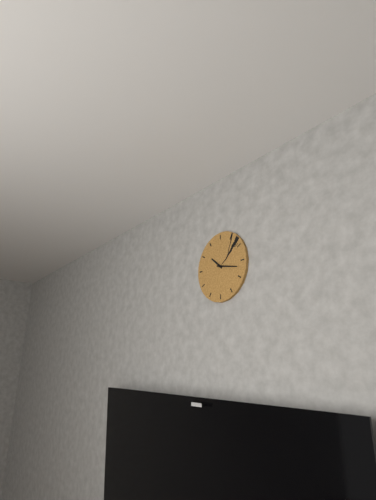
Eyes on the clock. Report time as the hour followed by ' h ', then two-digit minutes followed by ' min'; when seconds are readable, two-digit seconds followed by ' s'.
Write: 10 h 17 min
